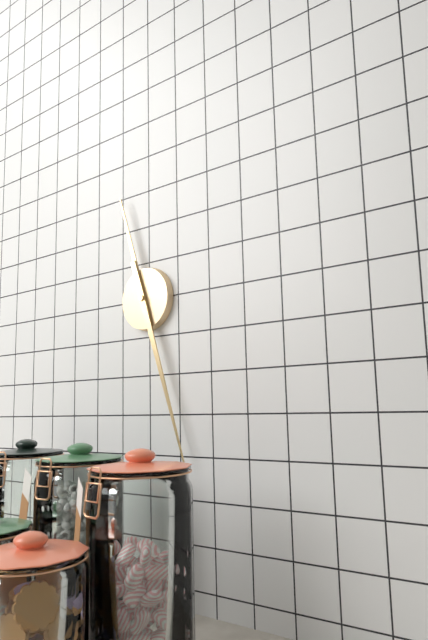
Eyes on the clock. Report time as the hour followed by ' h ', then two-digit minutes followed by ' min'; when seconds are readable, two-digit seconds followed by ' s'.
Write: 11 h 27 min
